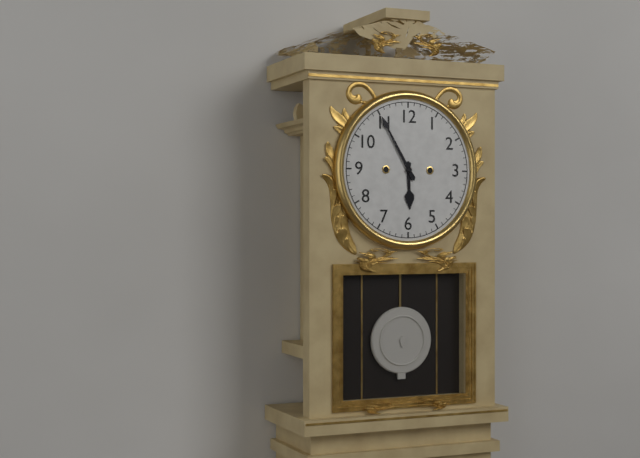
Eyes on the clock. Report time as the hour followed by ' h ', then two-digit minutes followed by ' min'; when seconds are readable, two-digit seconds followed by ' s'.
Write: 5 h 55 min
